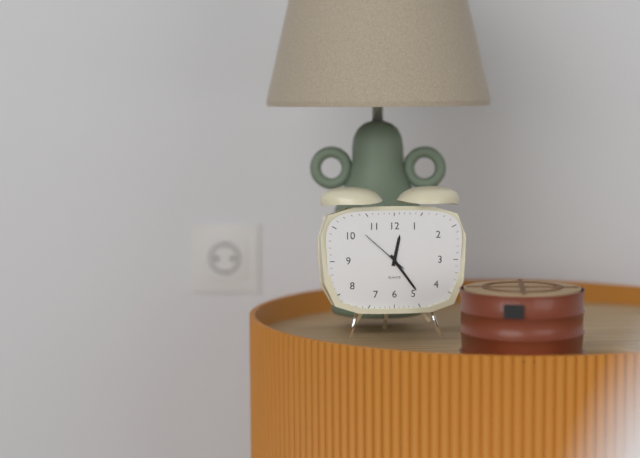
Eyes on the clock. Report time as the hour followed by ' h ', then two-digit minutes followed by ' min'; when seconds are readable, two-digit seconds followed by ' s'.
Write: 12 h 24 min
